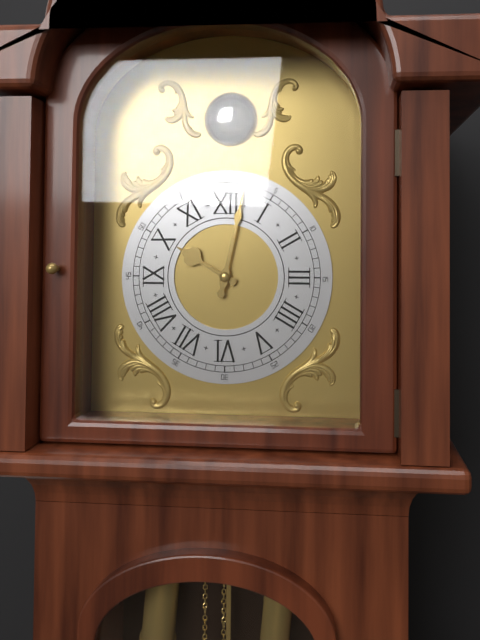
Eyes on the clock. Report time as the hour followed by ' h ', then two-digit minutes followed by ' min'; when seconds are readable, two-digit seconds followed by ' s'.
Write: 10 h 02 min
